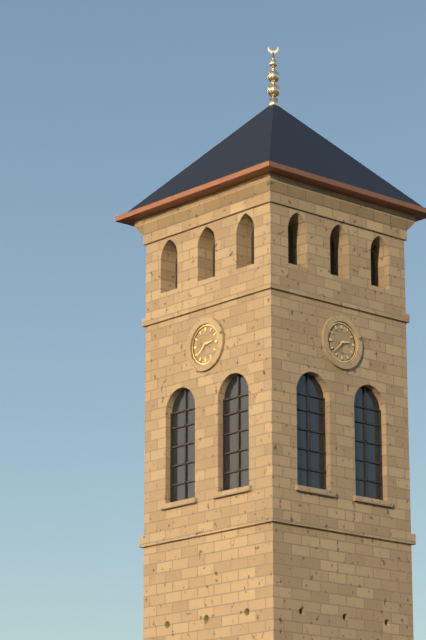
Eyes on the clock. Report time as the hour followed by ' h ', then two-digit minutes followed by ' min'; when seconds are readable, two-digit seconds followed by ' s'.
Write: 2 h 38 min
